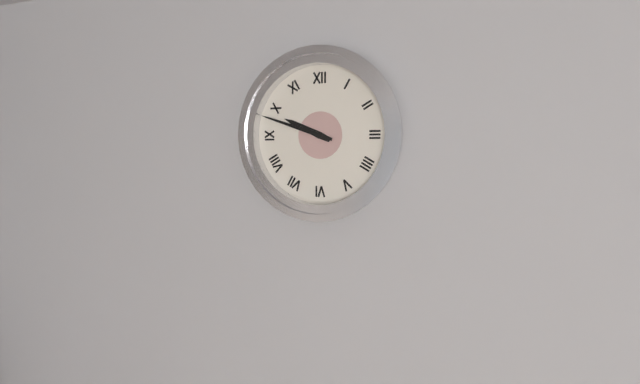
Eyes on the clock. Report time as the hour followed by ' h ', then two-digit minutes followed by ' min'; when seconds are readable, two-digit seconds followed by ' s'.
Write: 9 h 48 min
